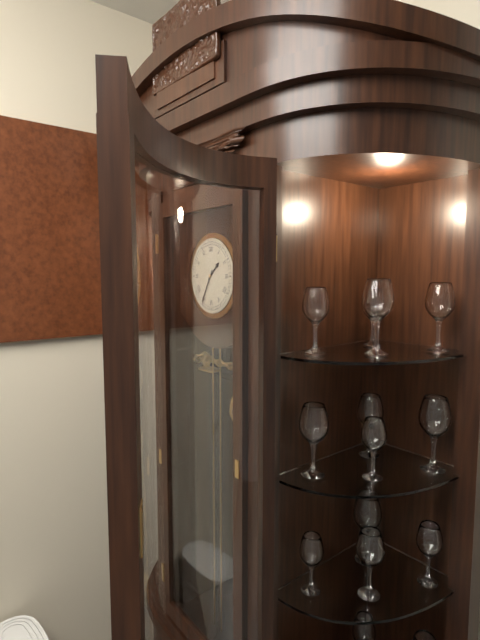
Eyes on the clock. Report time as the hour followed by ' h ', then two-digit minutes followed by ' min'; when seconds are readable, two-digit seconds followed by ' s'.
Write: 1 h 35 min
